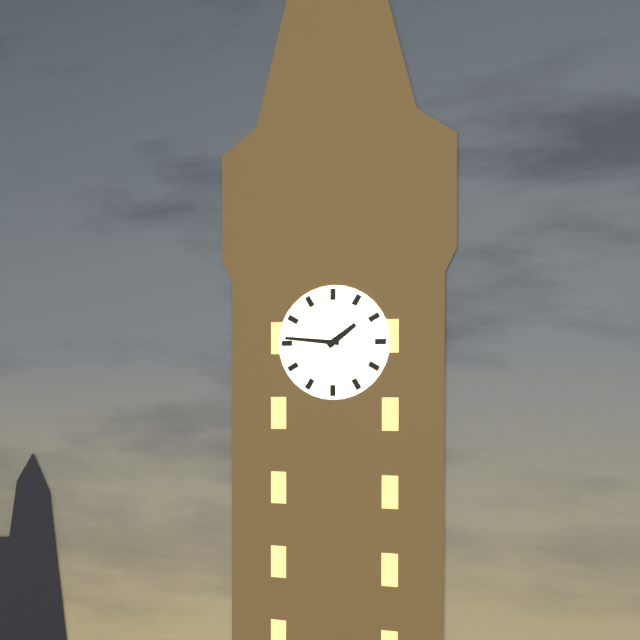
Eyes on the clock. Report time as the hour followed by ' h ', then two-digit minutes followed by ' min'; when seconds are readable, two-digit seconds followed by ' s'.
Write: 1 h 46 min
